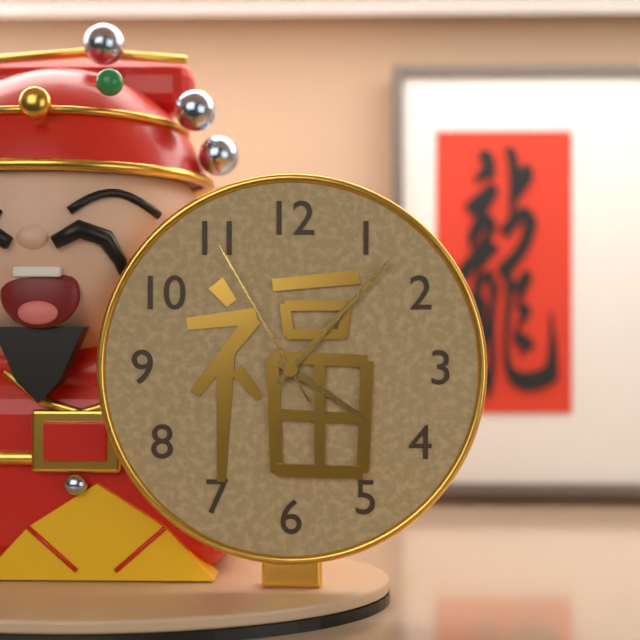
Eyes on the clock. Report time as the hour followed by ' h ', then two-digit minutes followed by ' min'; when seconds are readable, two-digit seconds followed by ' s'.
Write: 4 h 07 min 55 s
